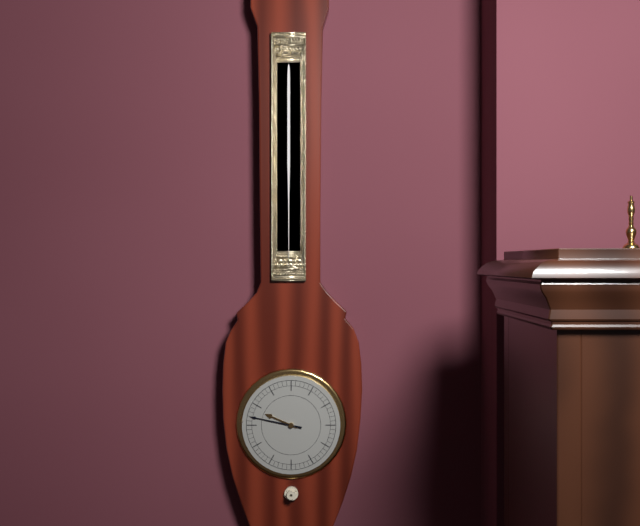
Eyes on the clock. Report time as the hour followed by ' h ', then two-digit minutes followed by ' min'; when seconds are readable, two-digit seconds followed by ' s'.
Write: 9 h 47 min
